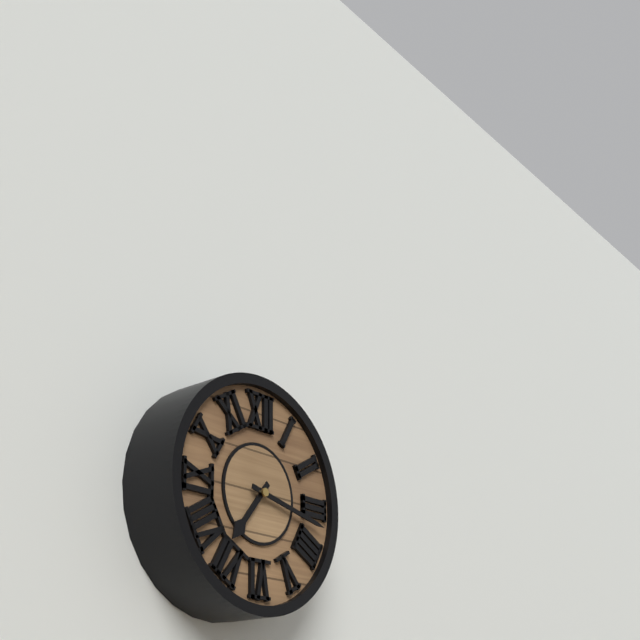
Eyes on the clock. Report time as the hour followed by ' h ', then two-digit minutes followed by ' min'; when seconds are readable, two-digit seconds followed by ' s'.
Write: 7 h 17 min
